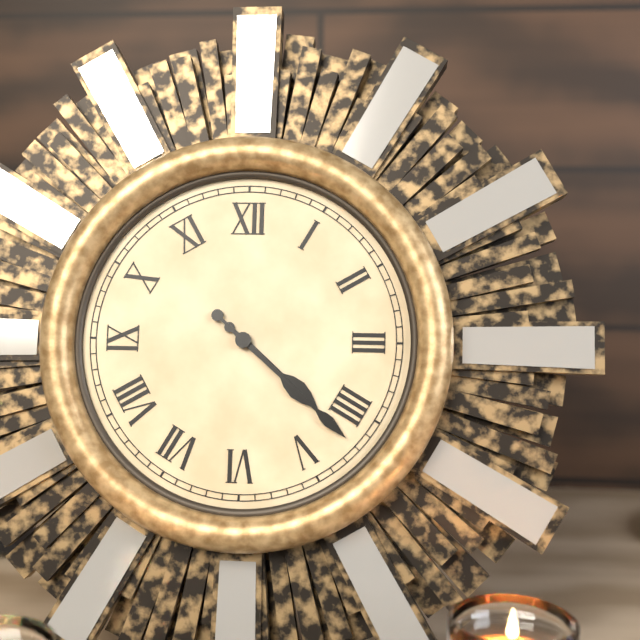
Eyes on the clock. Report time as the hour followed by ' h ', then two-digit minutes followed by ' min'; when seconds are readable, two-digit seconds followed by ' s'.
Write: 4 h 22 min
